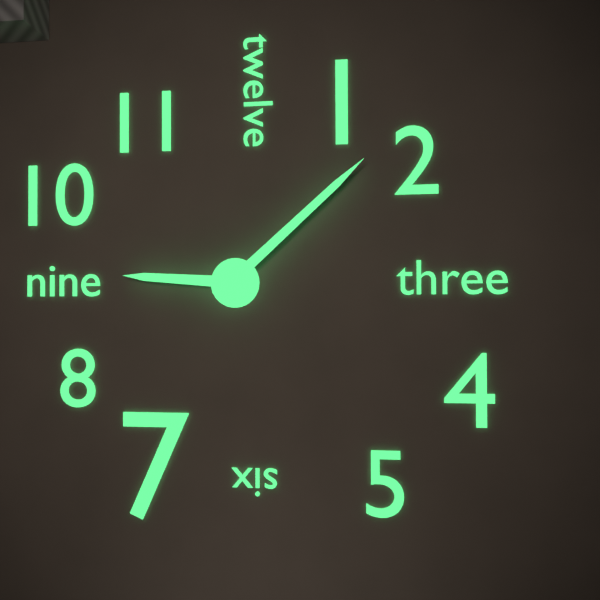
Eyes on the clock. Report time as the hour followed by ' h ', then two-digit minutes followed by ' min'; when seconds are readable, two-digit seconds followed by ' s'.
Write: 9 h 08 min
